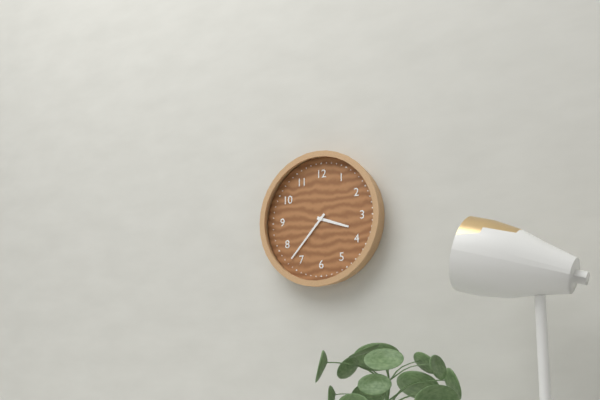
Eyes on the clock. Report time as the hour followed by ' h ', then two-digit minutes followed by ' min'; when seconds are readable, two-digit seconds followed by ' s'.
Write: 3 h 37 min
